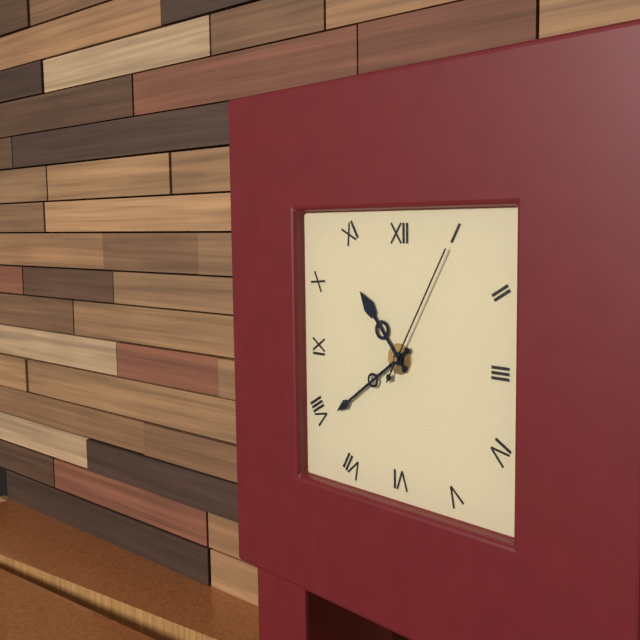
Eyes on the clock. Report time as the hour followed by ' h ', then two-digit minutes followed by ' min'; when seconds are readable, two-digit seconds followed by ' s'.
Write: 10 h 39 min 05 s
